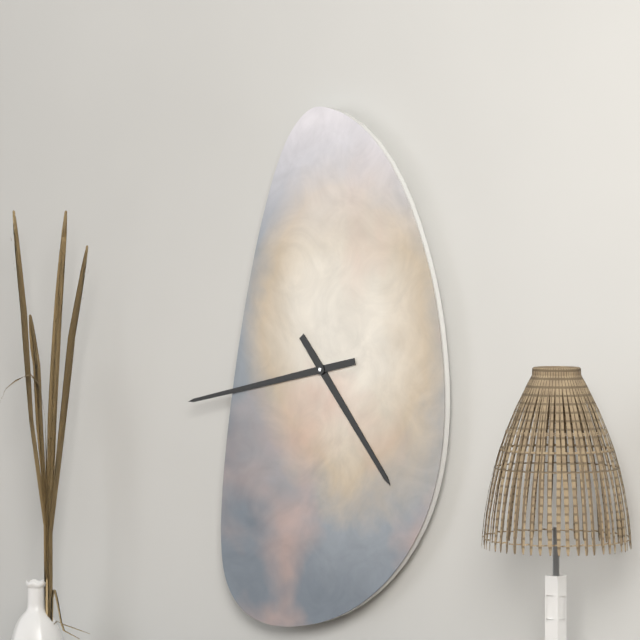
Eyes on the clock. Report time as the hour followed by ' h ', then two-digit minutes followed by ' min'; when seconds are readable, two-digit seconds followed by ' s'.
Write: 4 h 43 min
